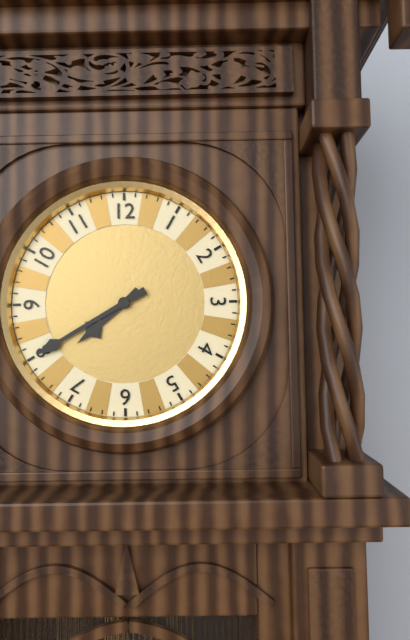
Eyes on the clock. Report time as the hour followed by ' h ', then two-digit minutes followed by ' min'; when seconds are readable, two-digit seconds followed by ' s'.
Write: 7 h 40 min
